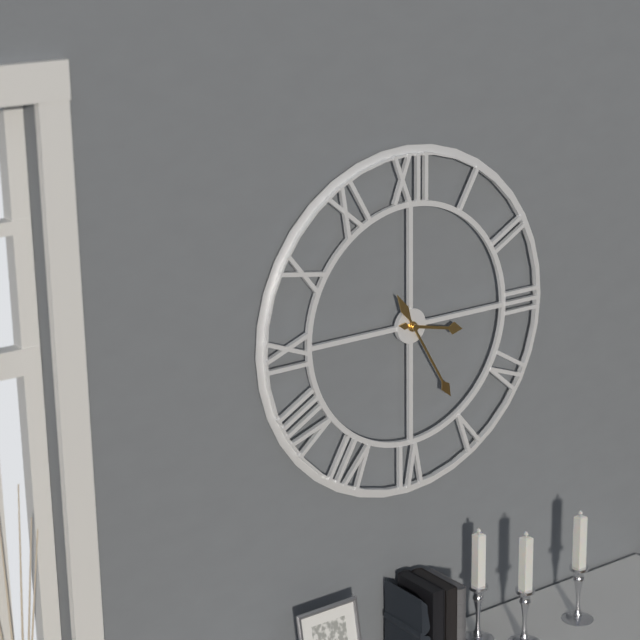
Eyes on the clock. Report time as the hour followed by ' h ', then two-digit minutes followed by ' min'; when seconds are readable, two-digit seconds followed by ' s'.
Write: 3 h 25 min
